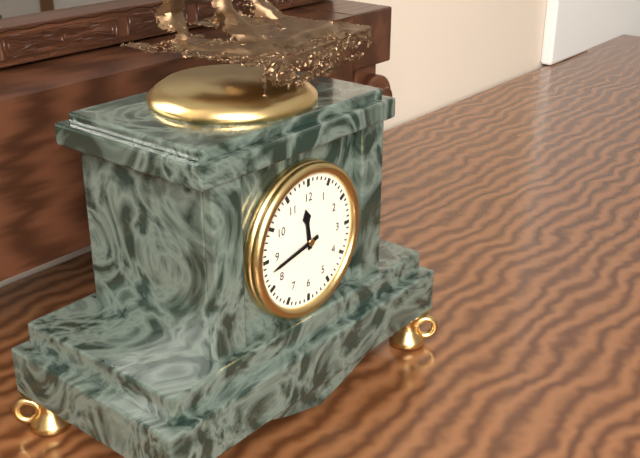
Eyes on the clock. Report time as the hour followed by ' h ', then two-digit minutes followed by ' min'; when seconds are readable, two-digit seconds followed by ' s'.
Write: 11 h 43 min
